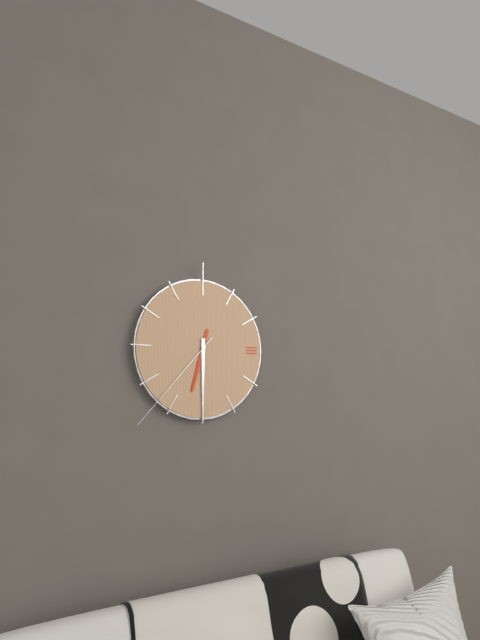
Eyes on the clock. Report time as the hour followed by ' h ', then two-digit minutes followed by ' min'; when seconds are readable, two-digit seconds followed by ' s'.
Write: 6 h 30 min 37 s
